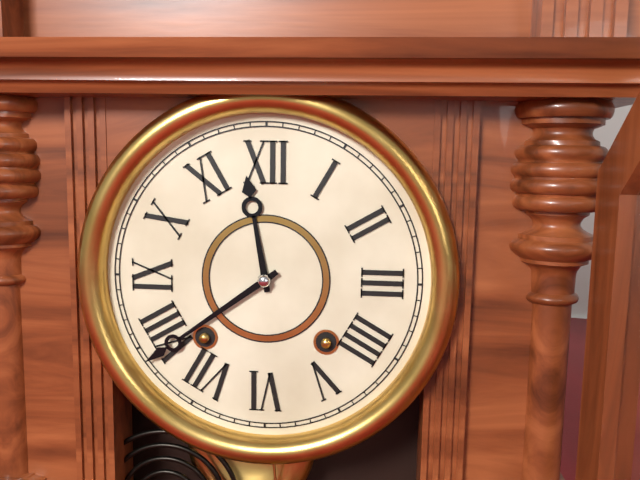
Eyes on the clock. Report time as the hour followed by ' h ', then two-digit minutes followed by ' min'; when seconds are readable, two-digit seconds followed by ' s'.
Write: 11 h 39 min
